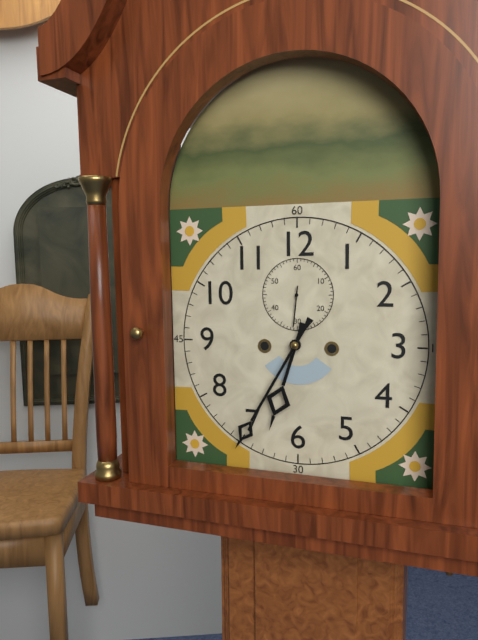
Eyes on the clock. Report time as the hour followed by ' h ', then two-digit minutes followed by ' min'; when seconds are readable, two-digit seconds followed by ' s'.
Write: 6 h 35 min
